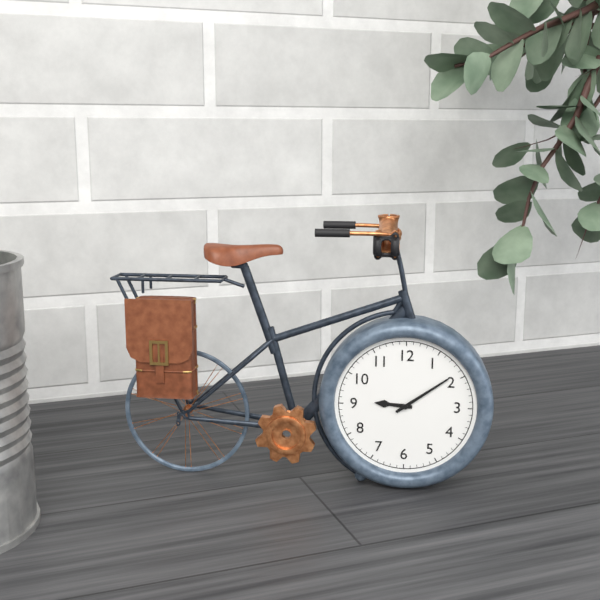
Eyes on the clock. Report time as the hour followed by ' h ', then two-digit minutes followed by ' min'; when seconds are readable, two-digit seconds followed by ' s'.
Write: 9 h 09 min
